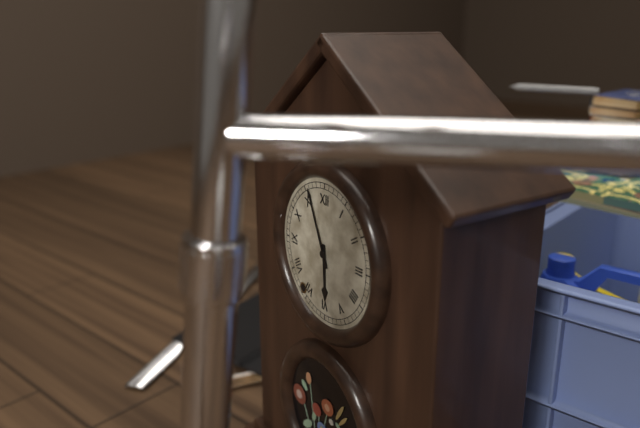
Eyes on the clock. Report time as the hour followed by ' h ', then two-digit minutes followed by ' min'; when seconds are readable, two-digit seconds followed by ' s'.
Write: 5 h 56 min
